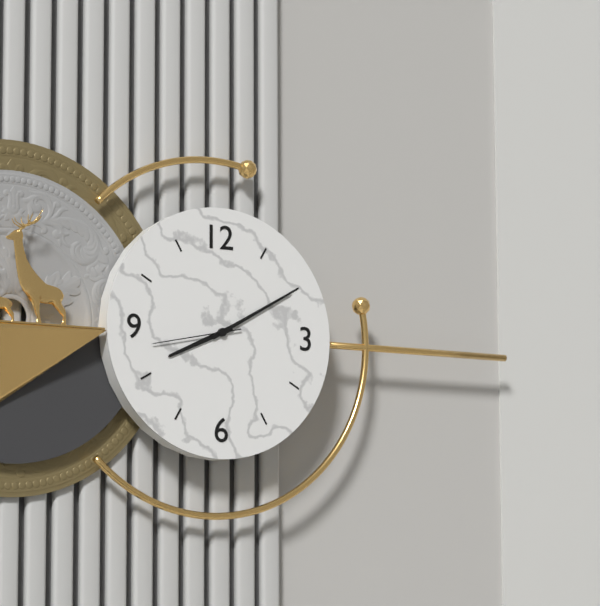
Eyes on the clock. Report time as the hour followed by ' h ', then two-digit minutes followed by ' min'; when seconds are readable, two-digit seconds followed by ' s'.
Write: 8 h 10 min 43 s
